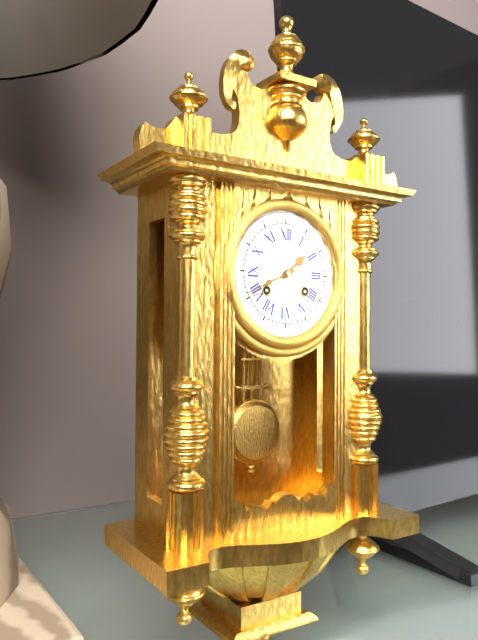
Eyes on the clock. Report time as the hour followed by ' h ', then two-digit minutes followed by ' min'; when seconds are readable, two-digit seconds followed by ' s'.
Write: 1 h 41 min
